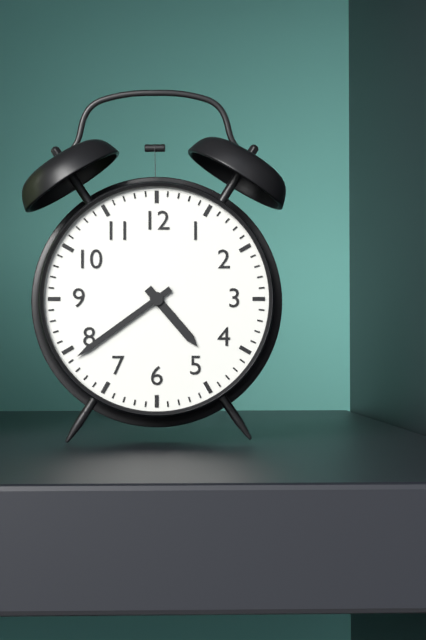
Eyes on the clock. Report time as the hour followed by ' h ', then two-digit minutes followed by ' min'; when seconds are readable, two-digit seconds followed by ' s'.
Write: 4 h 39 min
